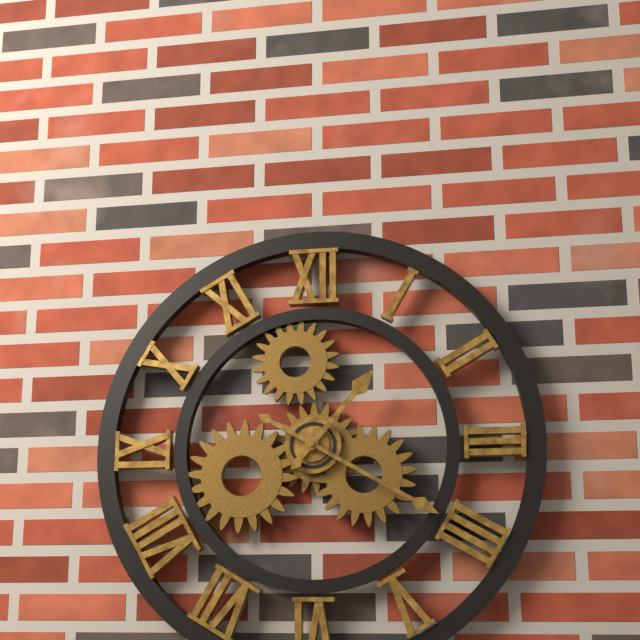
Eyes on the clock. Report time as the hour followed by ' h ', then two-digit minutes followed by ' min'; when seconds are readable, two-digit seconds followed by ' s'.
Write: 1 h 20 min
